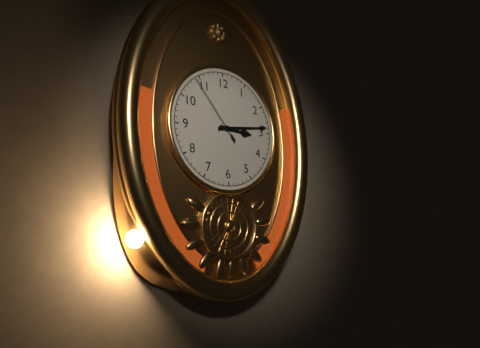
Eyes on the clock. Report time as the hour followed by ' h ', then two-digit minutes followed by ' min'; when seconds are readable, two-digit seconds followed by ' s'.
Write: 3 h 14 min 54 s
